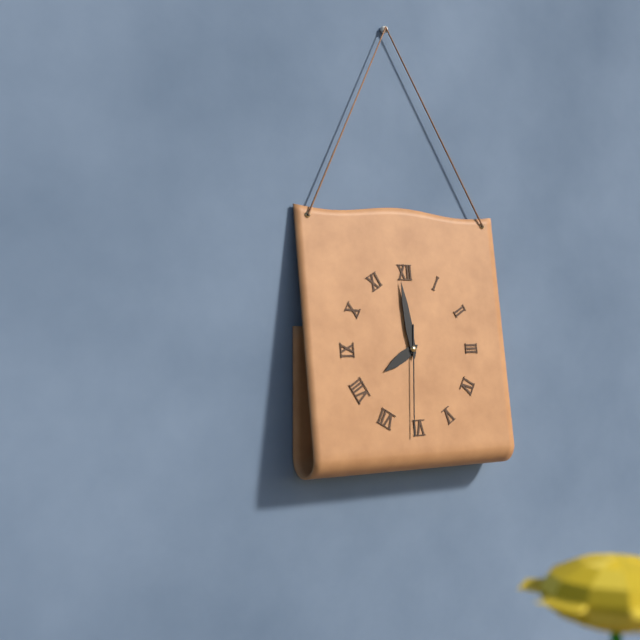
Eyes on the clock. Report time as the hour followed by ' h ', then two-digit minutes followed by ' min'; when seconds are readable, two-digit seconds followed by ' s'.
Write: 7 h 59 min 31 s
